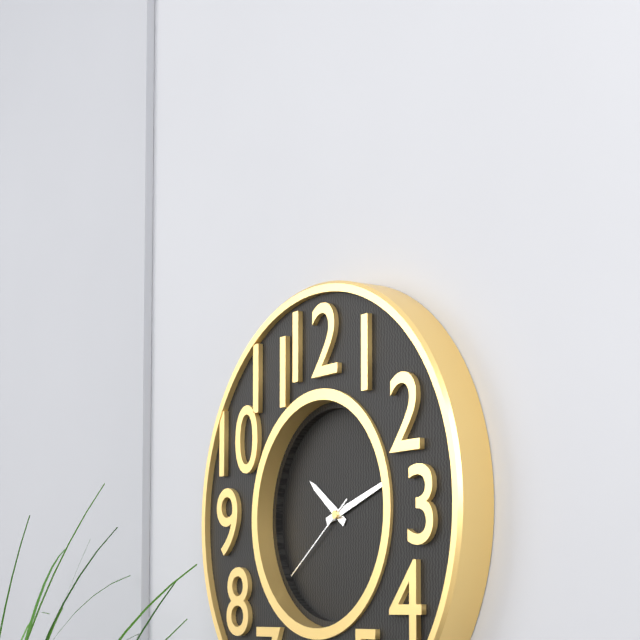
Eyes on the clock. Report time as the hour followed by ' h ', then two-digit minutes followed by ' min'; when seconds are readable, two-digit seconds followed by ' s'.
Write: 10 h 12 min 39 s
